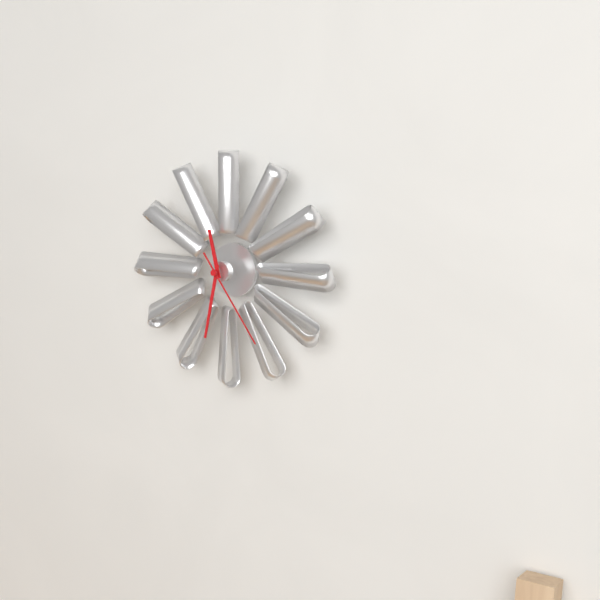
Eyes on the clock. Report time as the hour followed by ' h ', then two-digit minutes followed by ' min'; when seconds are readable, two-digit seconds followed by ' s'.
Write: 11 h 32 min 24 s
